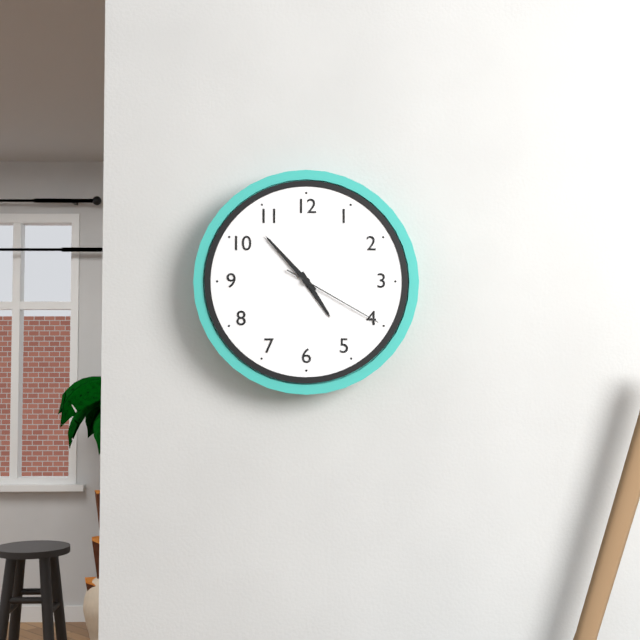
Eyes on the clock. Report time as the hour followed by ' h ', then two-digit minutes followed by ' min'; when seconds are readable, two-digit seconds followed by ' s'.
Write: 4 h 53 min 20 s
